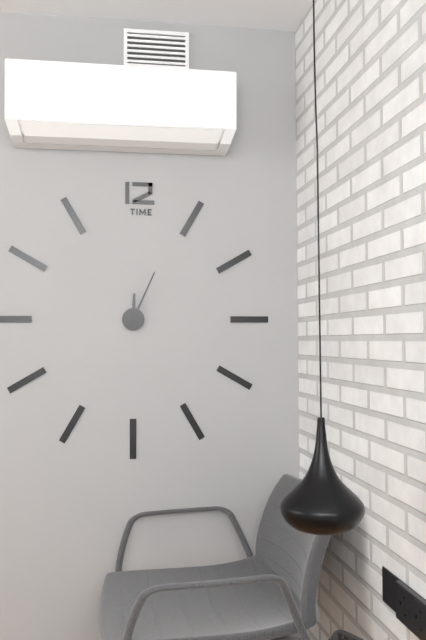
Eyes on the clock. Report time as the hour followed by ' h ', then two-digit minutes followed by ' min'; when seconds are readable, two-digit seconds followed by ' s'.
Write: 12 h 04 min
